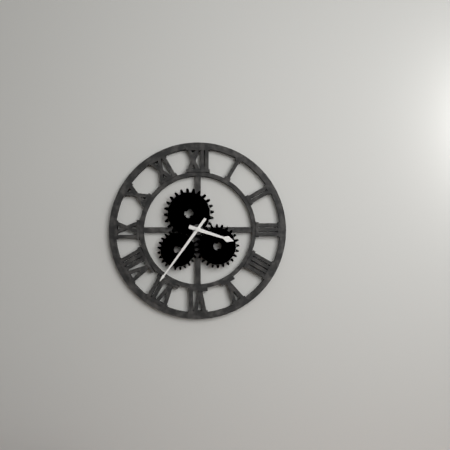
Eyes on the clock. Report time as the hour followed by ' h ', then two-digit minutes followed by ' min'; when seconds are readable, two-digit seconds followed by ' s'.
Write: 3 h 36 min
